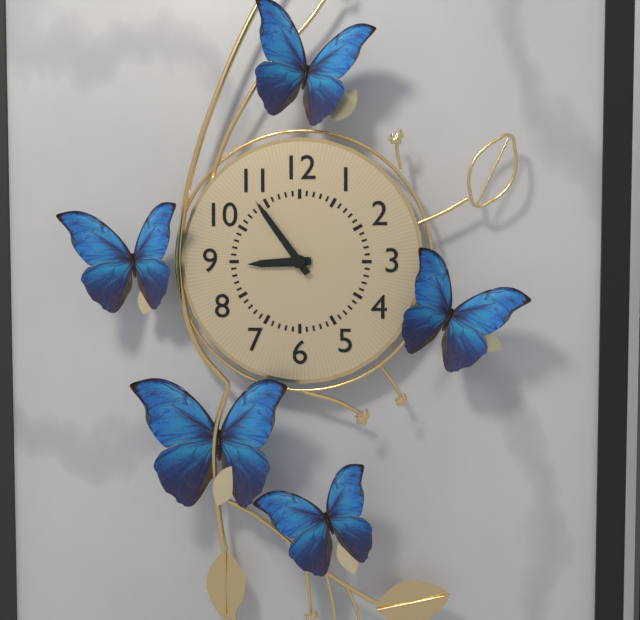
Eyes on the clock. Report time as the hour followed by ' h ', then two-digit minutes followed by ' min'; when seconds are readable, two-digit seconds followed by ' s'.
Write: 8 h 54 min
